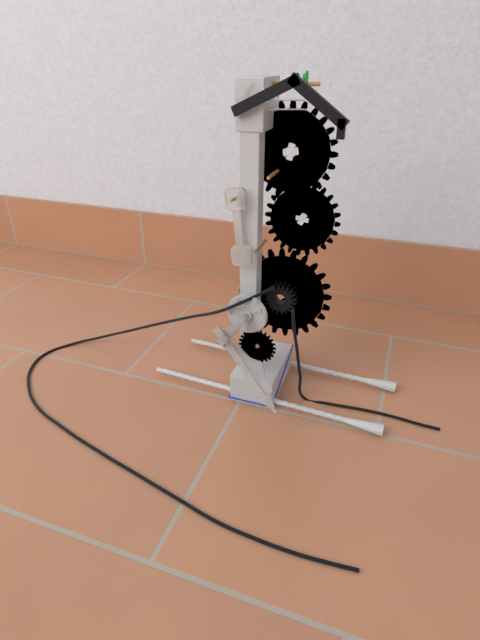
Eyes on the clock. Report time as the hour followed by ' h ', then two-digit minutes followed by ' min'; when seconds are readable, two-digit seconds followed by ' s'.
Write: 4 h 24 min
